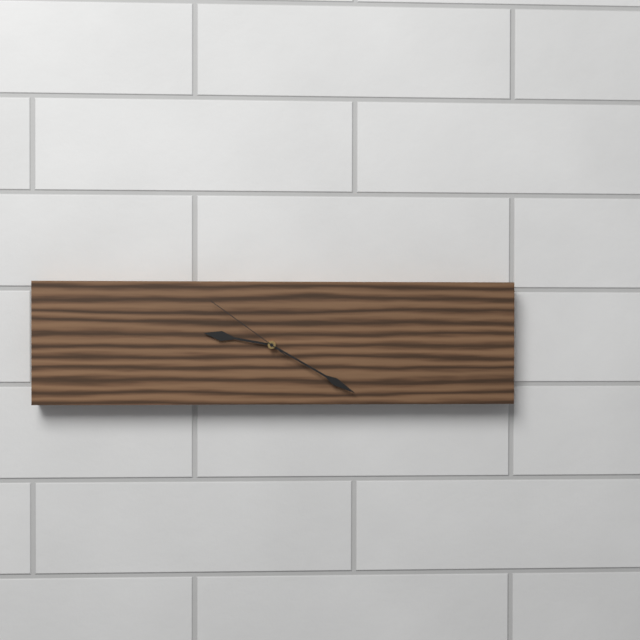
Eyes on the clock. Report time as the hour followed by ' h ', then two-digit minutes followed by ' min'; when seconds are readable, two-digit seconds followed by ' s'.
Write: 9 h 20 min 51 s
